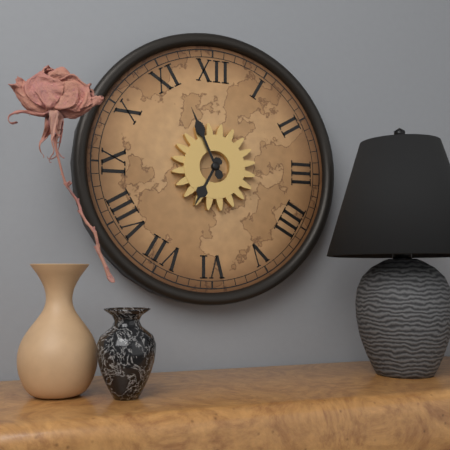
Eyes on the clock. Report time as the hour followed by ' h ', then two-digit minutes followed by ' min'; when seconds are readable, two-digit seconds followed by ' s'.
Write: 6 h 56 min
